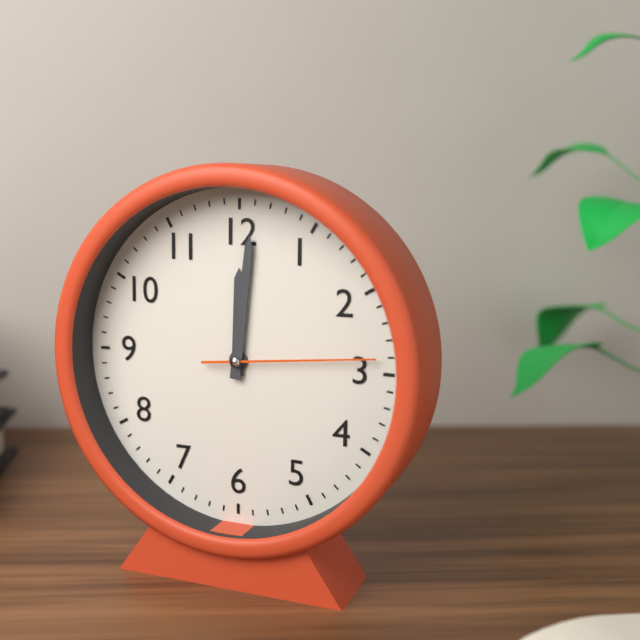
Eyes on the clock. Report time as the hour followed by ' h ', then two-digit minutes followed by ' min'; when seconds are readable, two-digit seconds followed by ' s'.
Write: 12 h 01 min 14 s
